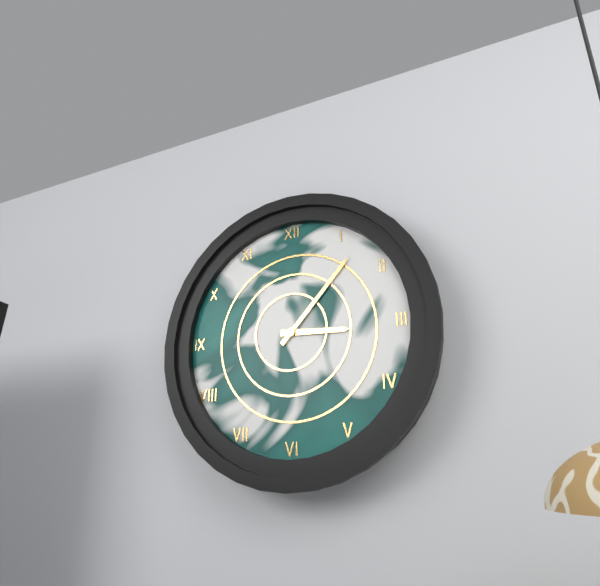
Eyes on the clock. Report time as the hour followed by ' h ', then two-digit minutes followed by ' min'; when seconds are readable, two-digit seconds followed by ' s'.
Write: 3 h 07 min
